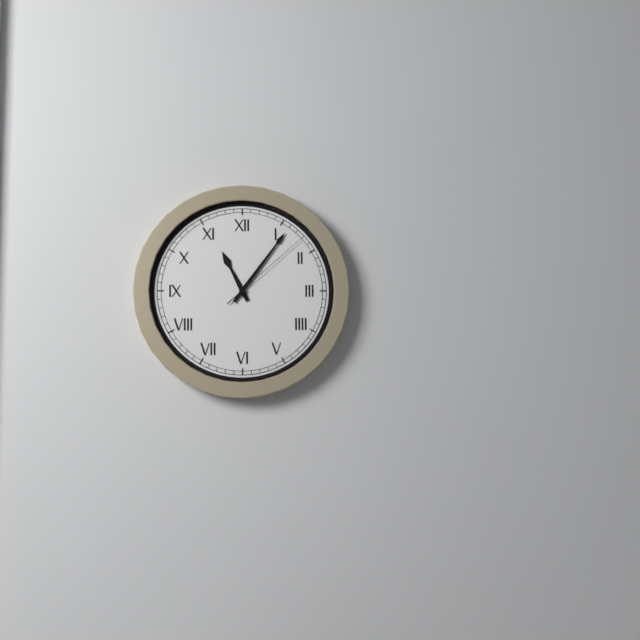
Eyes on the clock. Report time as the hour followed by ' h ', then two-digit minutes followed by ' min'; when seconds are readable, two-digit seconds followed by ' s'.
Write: 11 h 06 min 08 s
